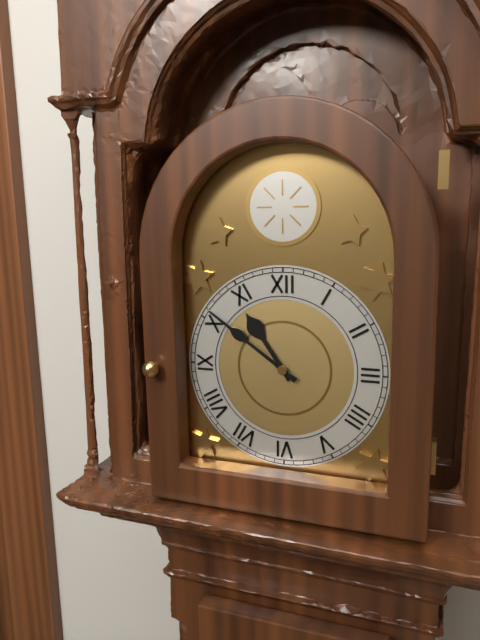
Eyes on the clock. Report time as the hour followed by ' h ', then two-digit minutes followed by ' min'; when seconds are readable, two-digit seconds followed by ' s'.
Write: 10 h 51 min
